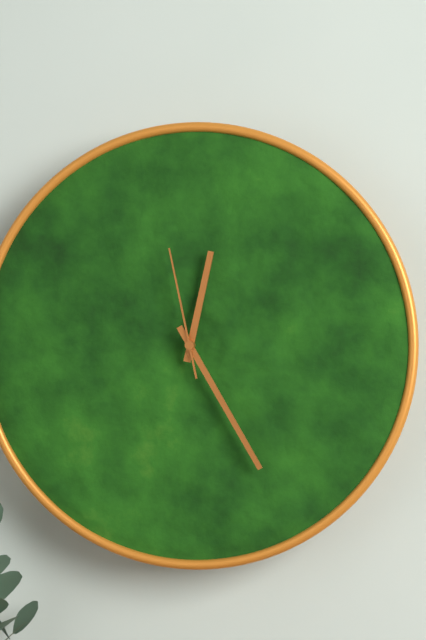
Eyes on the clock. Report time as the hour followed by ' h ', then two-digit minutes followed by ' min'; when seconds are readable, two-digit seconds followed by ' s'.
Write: 12 h 25 min 58 s
